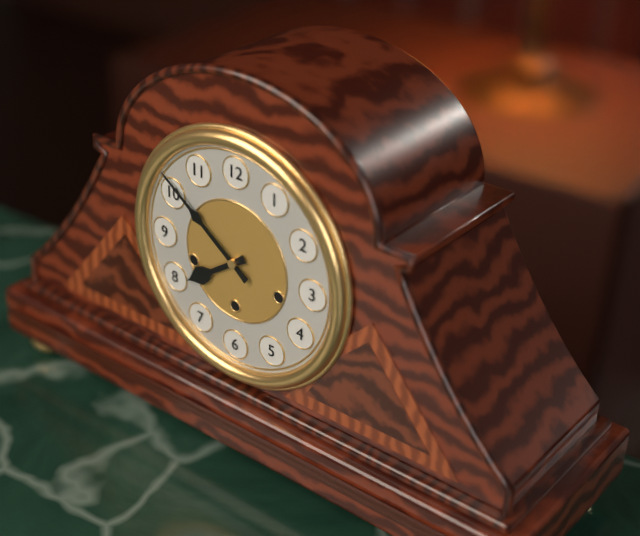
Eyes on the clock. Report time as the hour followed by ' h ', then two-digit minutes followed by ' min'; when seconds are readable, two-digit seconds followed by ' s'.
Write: 7 h 51 min
